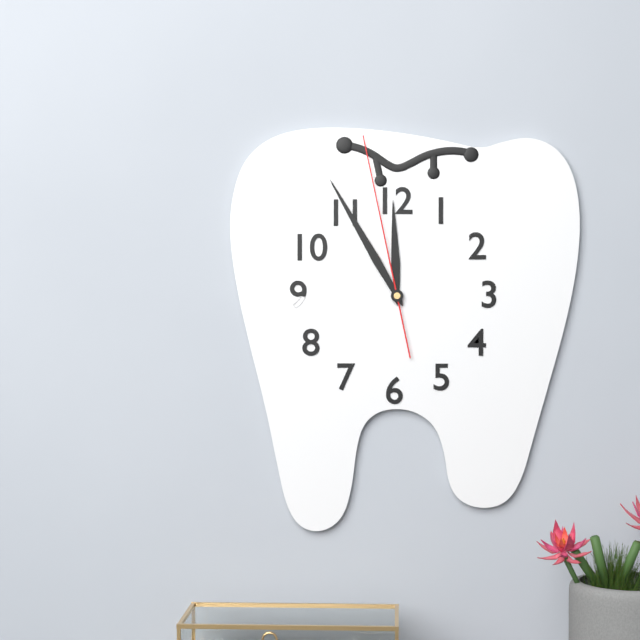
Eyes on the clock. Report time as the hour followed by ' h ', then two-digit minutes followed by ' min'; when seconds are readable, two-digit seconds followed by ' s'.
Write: 11 h 55 min 58 s
